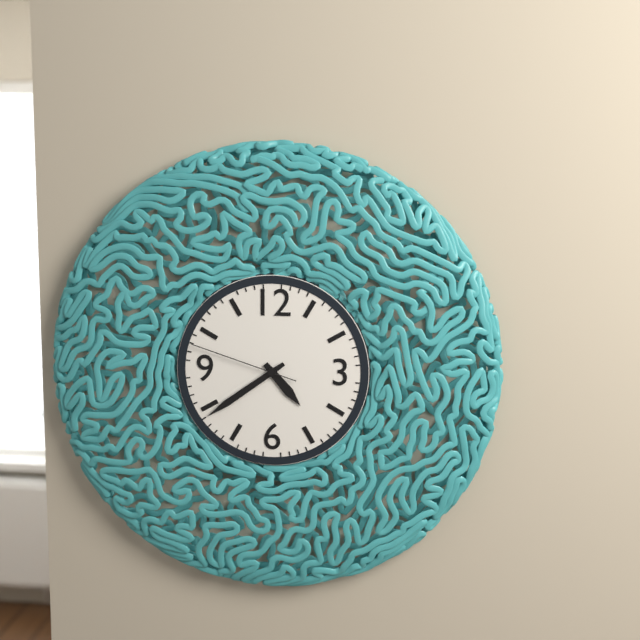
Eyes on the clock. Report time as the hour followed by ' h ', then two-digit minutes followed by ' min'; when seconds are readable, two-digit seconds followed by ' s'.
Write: 4 h 39 min 48 s
